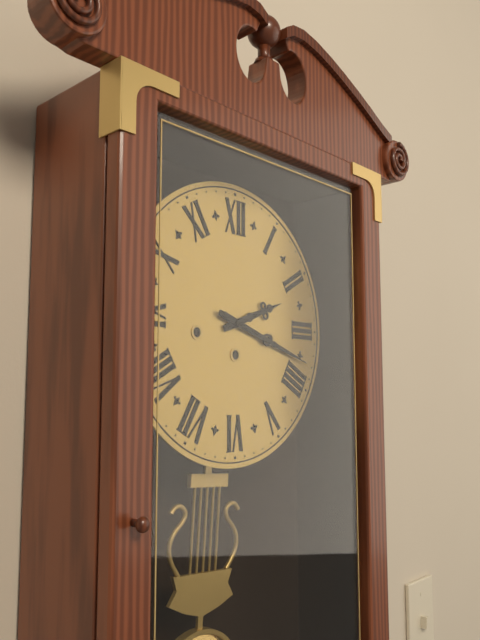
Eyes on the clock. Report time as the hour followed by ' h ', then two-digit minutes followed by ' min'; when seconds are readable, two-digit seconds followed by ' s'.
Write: 2 h 18 min
